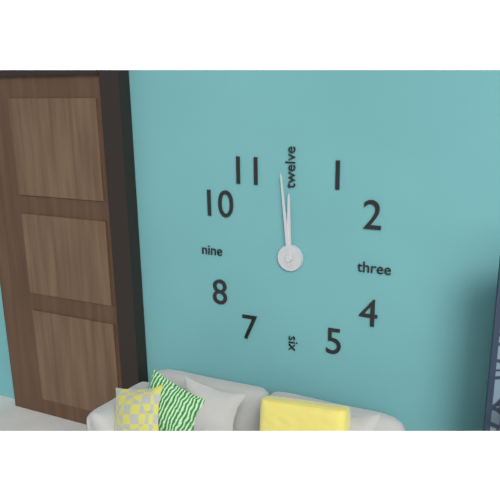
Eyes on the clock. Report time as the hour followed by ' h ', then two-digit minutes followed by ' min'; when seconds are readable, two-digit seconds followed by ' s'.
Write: 11 h 59 min
